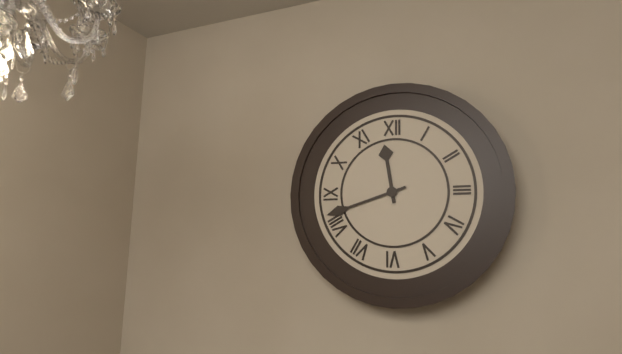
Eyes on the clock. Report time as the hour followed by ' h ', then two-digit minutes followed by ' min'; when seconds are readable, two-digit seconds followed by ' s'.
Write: 11 h 42 min
